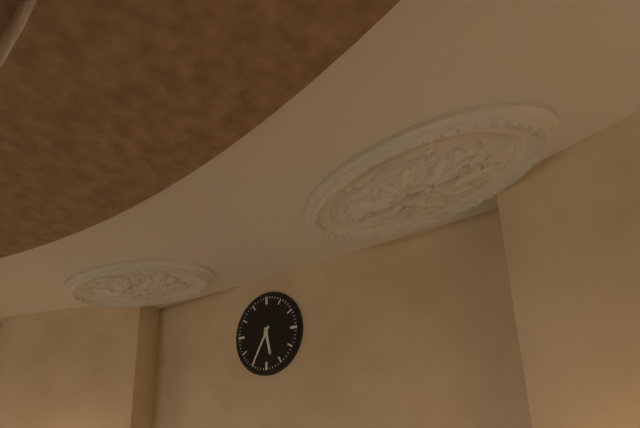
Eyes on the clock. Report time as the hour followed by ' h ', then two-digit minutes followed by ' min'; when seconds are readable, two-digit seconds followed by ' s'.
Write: 5 h 35 min
